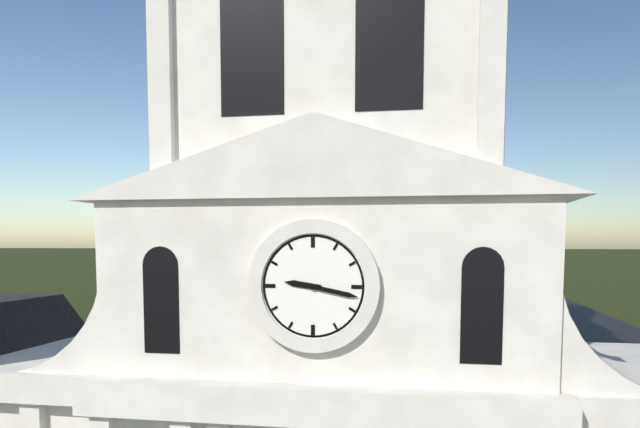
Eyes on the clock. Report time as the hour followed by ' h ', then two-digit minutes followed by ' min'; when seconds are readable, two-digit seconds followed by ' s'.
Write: 9 h 17 min
